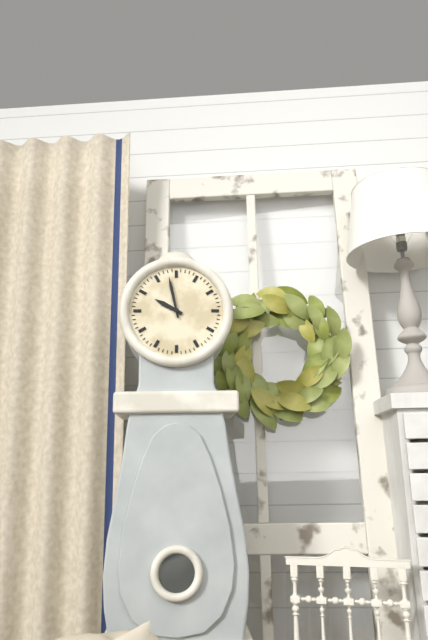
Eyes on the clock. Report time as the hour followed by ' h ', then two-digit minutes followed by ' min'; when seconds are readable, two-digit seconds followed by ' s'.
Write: 9 h 58 min
